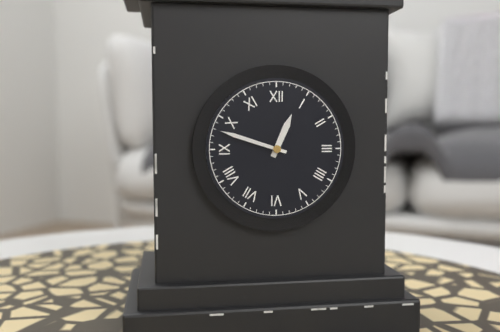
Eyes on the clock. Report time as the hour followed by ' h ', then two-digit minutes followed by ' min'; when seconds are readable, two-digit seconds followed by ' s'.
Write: 12 h 48 min
